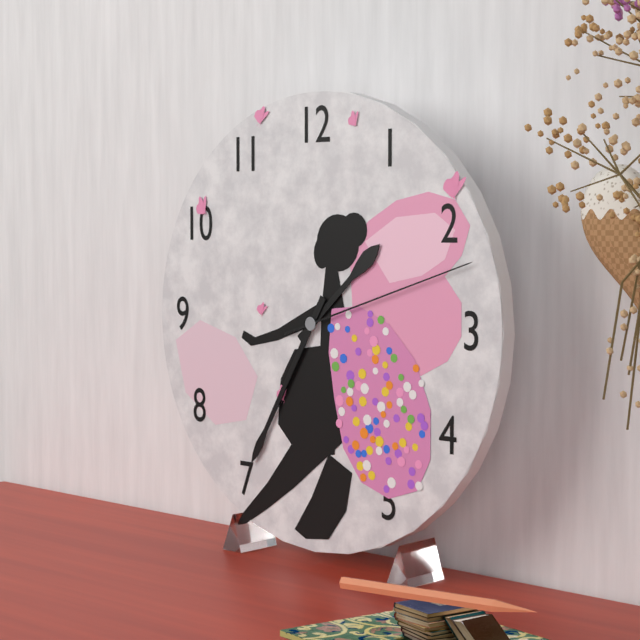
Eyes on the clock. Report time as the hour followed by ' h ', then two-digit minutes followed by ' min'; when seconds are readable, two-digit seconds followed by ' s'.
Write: 1 h 35 min 12 s
